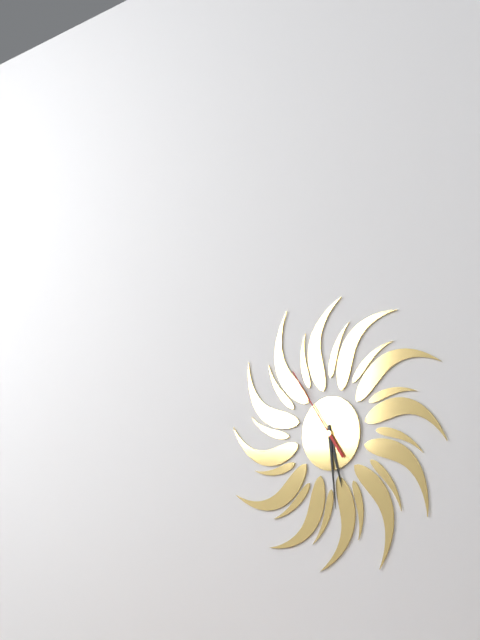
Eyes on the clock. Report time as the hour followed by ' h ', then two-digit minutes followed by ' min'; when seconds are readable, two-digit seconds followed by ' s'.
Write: 5 h 29 min 54 s
